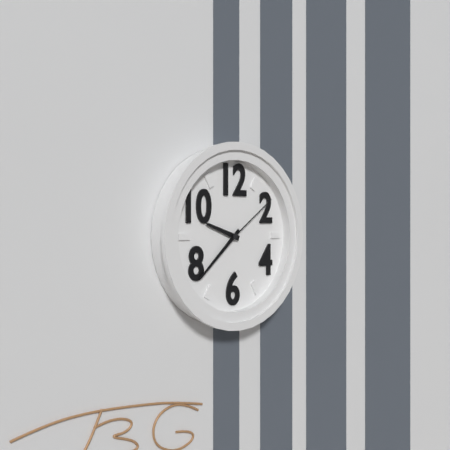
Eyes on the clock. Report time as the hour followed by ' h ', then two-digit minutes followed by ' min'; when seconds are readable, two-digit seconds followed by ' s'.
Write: 9 h 38 min 09 s
